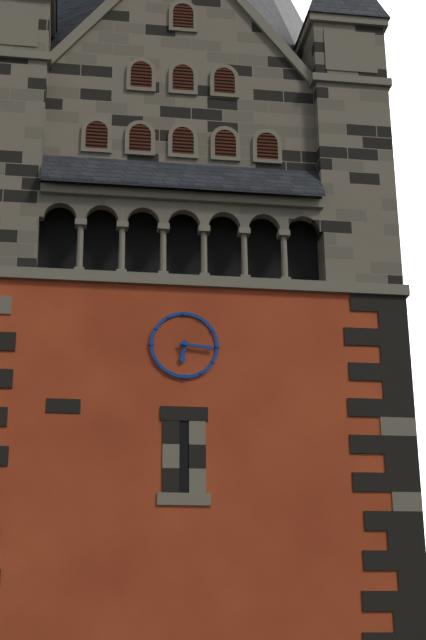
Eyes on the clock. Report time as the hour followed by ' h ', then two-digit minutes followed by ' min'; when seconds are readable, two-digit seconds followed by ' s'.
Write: 6 h 16 min
